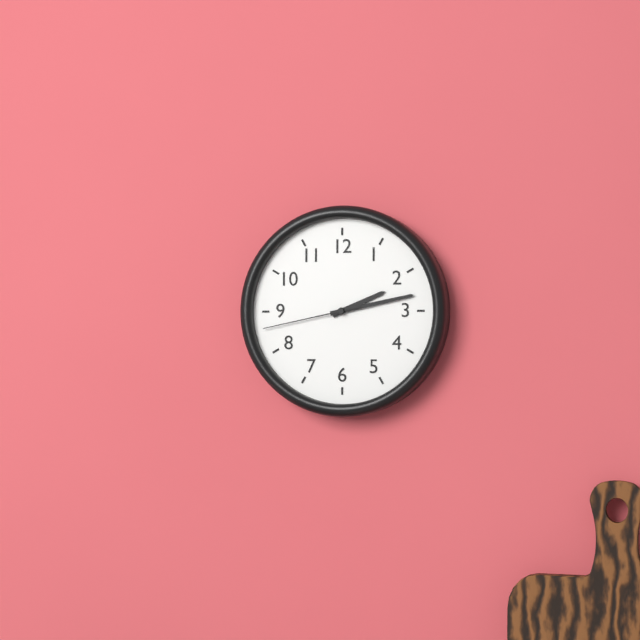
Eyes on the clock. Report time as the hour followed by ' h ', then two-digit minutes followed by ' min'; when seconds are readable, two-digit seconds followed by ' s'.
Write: 2 h 13 min 43 s
